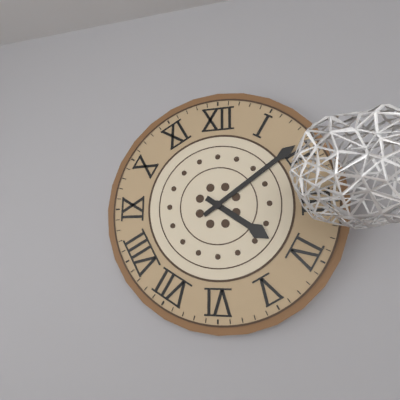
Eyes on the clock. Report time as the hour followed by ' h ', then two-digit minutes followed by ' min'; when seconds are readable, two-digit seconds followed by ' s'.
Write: 4 h 09 min
